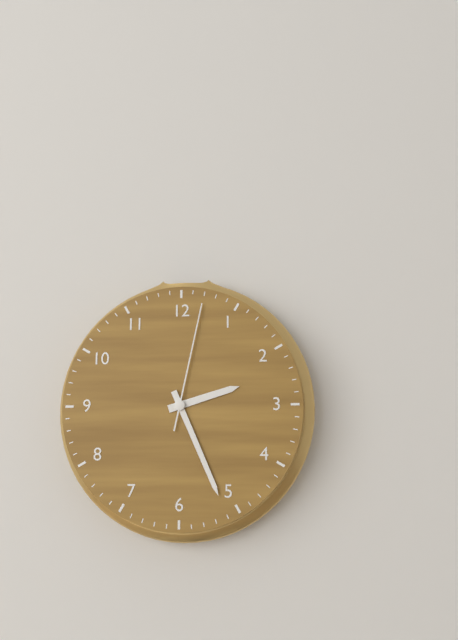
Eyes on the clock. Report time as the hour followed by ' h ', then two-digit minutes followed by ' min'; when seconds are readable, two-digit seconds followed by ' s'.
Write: 2 h 26 min 02 s
